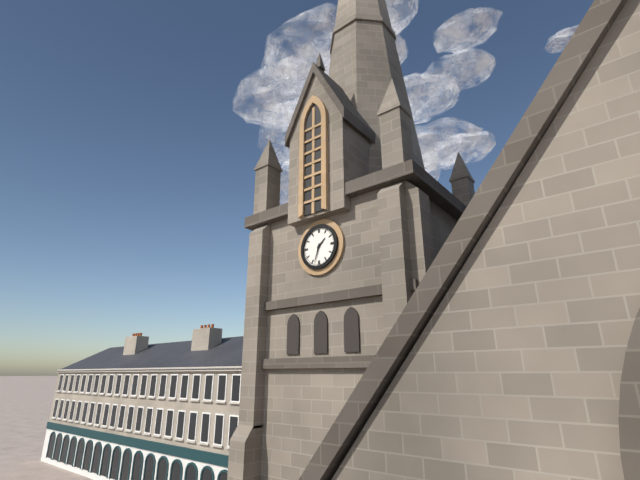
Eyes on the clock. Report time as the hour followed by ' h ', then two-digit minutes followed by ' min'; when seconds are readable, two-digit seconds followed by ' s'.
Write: 1 h 33 min
